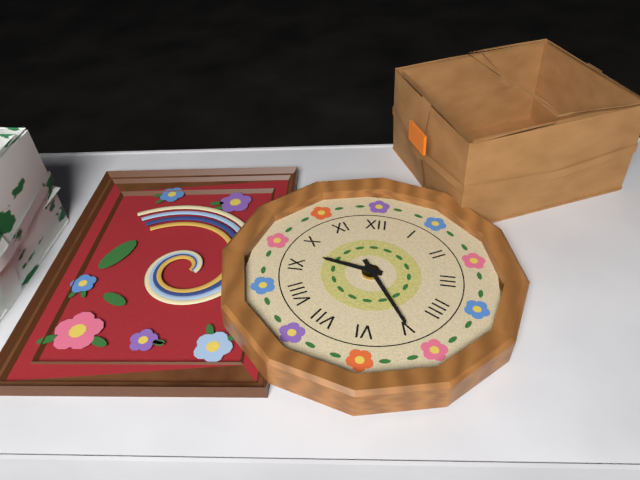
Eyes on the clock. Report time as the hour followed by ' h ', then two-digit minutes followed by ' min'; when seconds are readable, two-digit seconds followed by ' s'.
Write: 9 h 25 min
